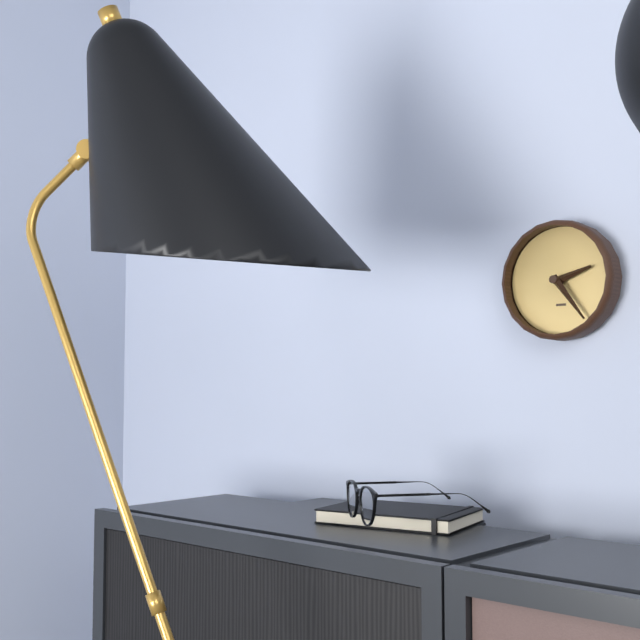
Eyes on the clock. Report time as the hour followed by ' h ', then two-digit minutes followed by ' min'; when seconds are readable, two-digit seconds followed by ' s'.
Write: 2 h 24 min
